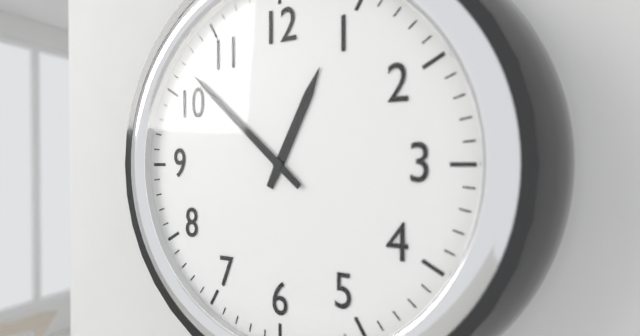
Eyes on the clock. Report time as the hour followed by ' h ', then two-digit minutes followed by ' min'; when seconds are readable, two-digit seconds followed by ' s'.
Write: 12 h 52 min
